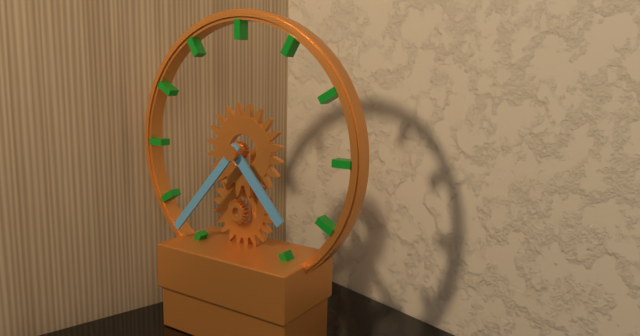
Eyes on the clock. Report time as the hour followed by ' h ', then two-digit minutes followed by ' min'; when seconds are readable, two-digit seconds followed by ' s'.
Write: 4 h 37 min
